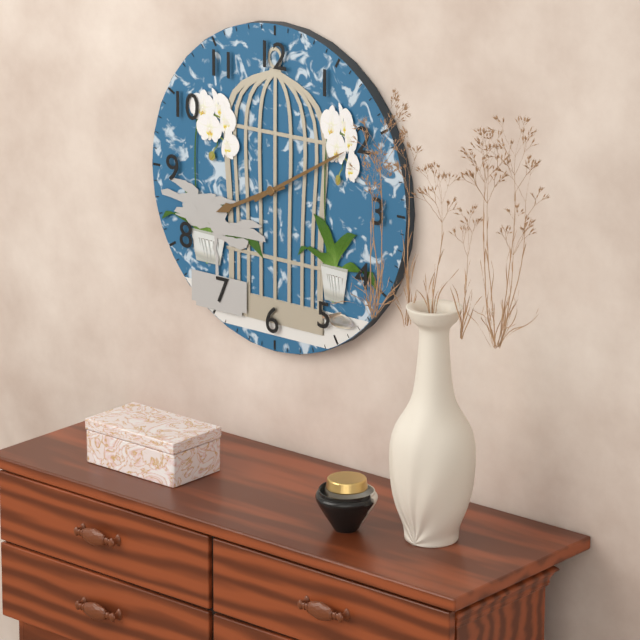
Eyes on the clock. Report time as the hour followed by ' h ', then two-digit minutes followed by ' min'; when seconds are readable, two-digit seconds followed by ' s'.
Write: 8 h 10 min
